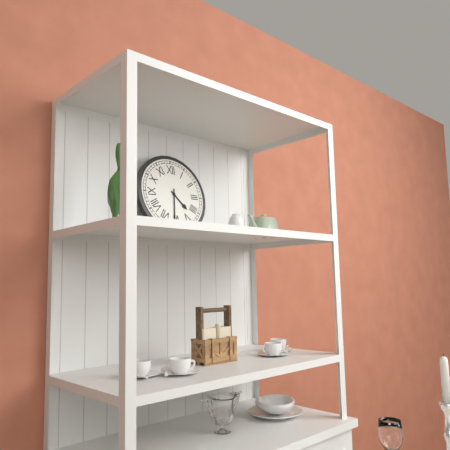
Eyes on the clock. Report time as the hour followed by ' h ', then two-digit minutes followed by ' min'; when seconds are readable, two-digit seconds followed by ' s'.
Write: 4 h 31 min
